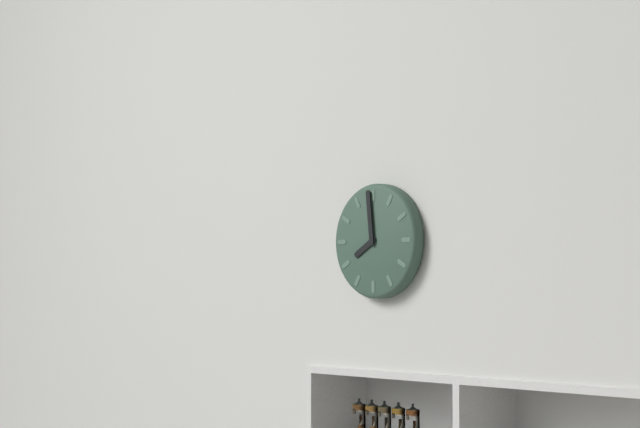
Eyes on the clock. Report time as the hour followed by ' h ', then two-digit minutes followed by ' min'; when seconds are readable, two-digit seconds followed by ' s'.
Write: 7 h 59 min
